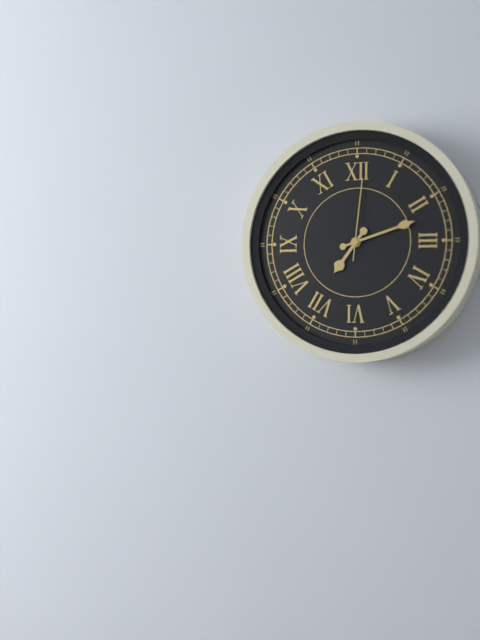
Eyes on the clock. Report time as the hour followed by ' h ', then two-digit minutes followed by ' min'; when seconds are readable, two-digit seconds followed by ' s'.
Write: 7 h 12 min 01 s
